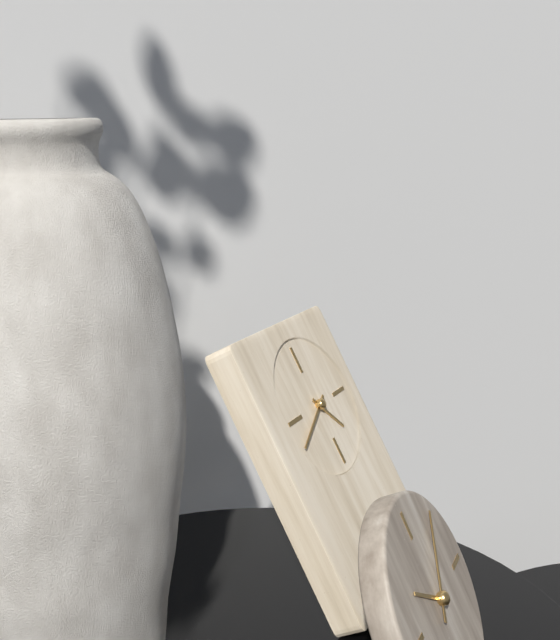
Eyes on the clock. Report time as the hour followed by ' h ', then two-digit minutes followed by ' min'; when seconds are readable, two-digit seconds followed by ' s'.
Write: 4 h 41 min
